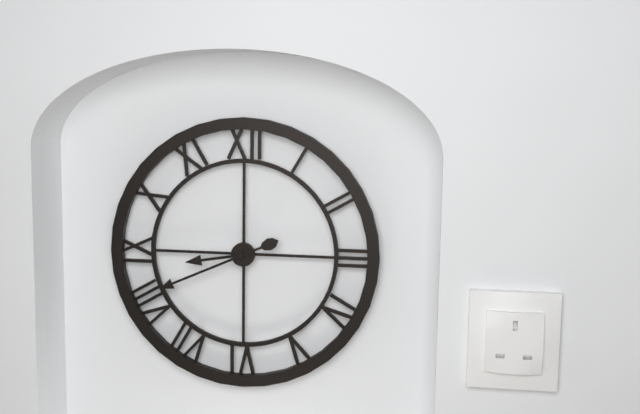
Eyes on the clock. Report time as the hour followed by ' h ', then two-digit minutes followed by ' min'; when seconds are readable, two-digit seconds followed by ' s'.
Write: 8 h 41 min
